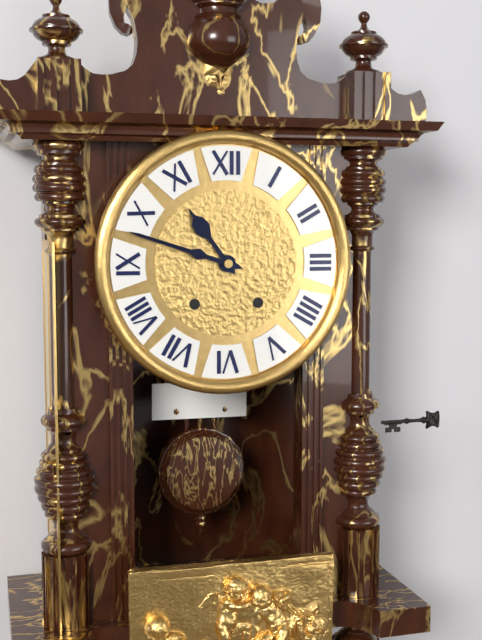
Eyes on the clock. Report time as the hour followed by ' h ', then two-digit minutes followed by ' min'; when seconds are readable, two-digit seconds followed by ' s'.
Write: 10 h 48 min
